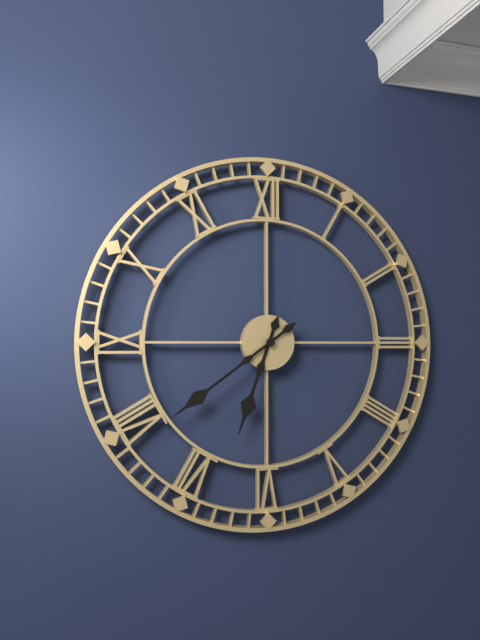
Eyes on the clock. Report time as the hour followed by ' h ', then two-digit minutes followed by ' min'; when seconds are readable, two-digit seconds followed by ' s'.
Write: 6 h 39 min
